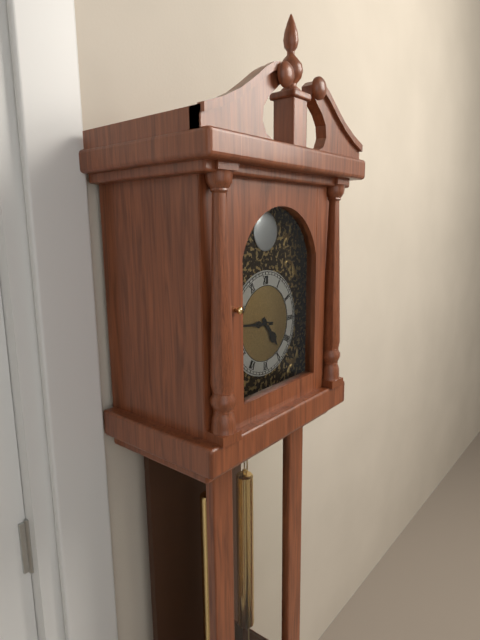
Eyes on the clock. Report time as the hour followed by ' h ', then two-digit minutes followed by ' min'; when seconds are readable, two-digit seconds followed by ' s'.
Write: 4 h 46 min
